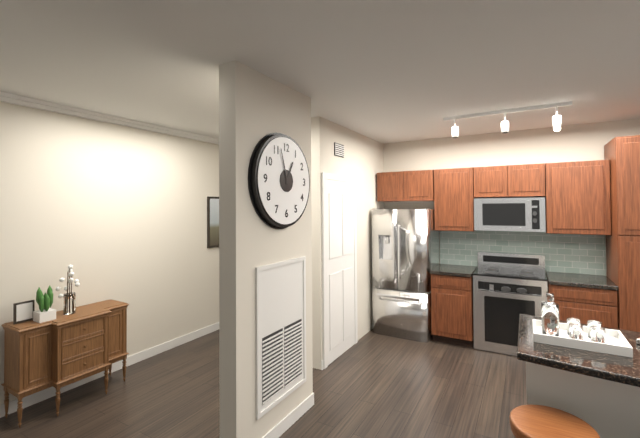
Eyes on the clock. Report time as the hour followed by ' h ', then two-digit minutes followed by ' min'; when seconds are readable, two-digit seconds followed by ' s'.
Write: 12 h 57 min
